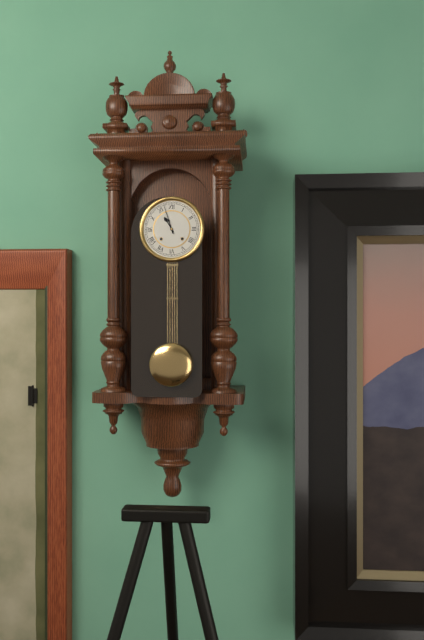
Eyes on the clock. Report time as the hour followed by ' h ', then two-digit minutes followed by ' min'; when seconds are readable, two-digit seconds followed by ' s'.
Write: 10 h 57 min
